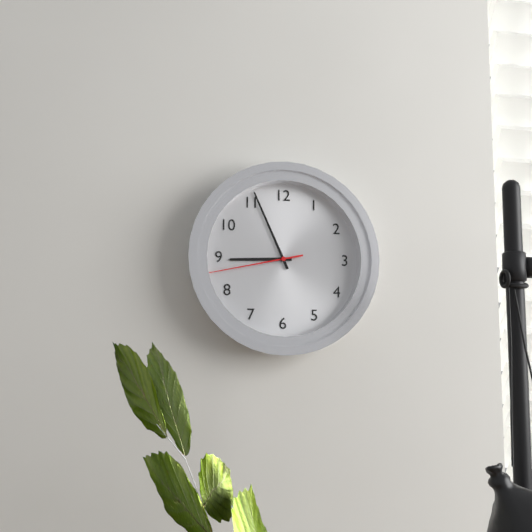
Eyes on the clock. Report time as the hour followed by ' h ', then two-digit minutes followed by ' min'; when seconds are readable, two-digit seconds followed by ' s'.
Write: 8 h 56 min 43 s
